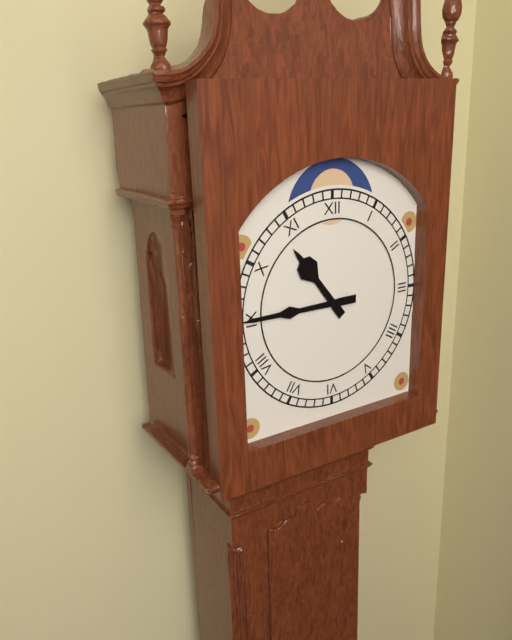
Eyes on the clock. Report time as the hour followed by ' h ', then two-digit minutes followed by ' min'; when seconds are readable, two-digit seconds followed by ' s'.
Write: 10 h 45 min
